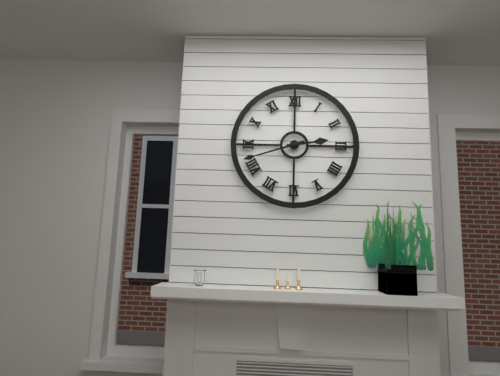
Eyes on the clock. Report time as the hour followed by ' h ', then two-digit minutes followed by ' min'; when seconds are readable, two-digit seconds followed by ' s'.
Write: 2 h 42 min
